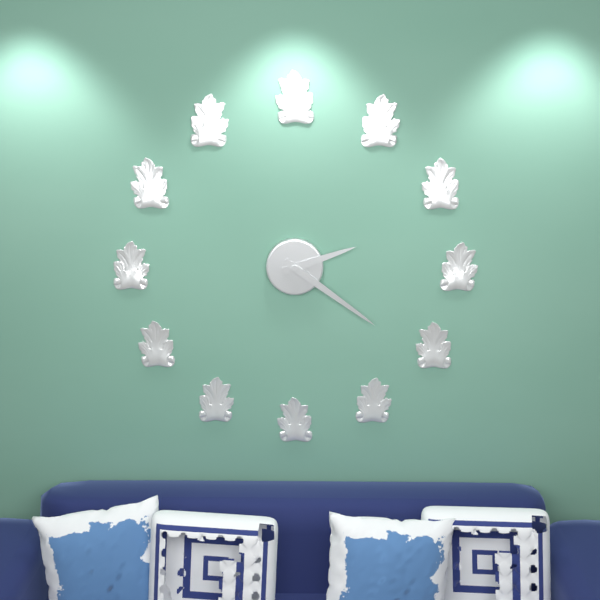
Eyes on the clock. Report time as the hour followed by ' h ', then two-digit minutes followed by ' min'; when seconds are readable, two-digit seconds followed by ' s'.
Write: 2 h 21 min
